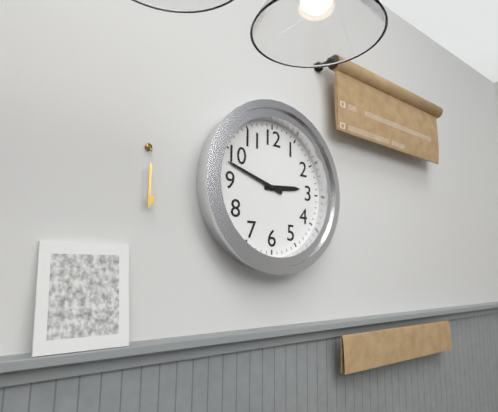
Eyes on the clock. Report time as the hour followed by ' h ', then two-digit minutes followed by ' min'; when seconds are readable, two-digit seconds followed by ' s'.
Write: 2 h 48 min
